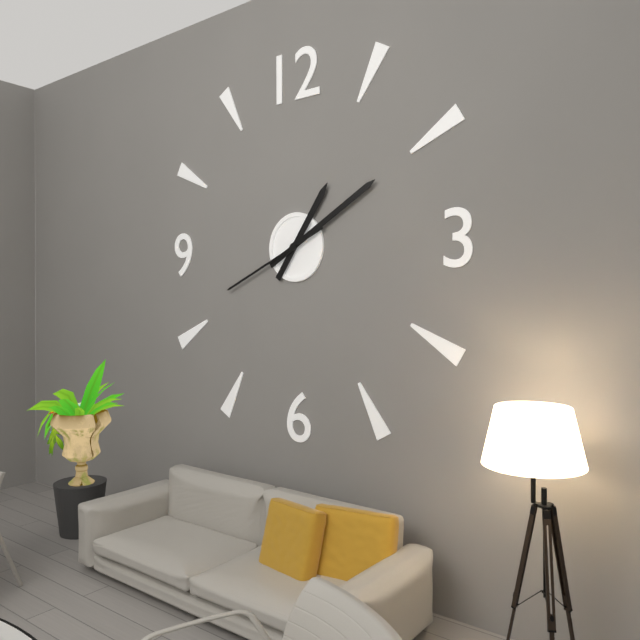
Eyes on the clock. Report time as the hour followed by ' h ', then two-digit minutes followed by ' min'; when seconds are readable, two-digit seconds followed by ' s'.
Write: 1 h 10 min 41 s
